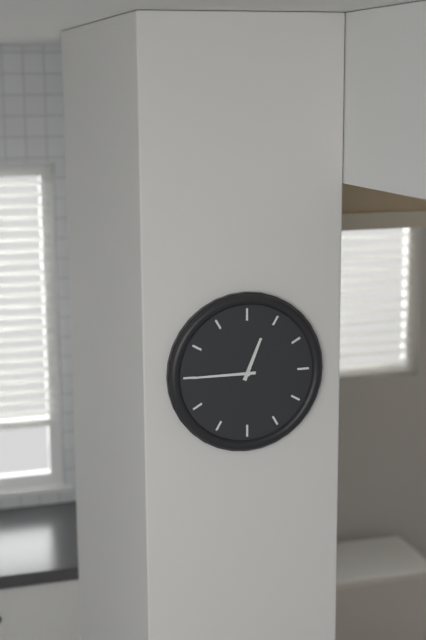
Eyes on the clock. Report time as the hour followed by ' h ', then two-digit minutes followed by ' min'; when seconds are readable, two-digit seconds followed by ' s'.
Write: 12 h 45 min
